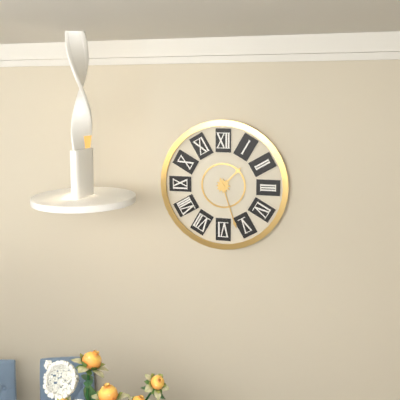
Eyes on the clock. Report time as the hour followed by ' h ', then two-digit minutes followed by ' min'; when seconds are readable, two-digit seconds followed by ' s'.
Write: 1 h 27 min
